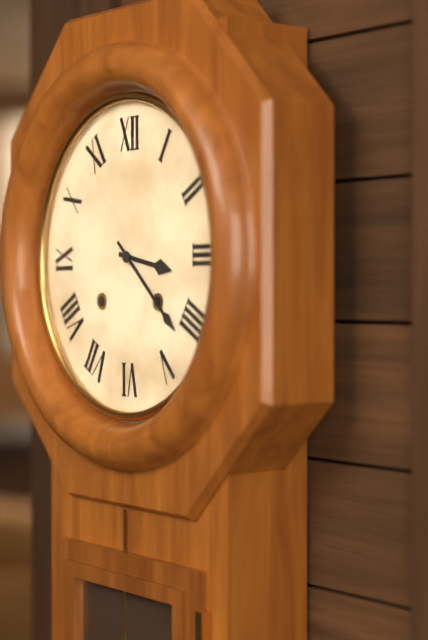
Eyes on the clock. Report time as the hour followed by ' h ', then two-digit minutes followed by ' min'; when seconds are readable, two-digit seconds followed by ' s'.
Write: 3 h 22 min
